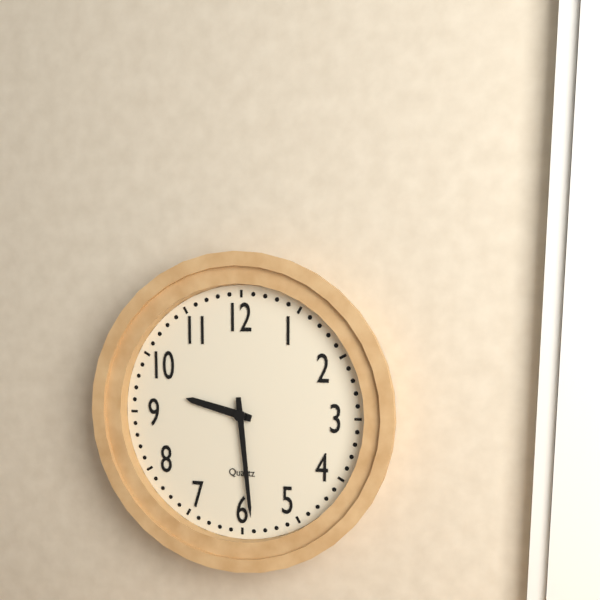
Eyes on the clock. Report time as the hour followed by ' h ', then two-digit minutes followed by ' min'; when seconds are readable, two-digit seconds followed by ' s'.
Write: 9 h 29 min
